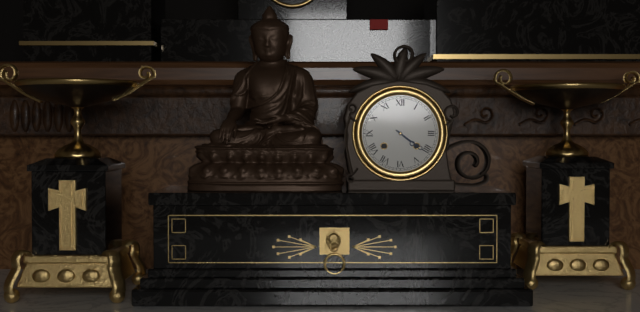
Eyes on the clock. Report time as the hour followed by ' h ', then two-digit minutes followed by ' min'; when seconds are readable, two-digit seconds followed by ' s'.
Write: 4 h 21 min
